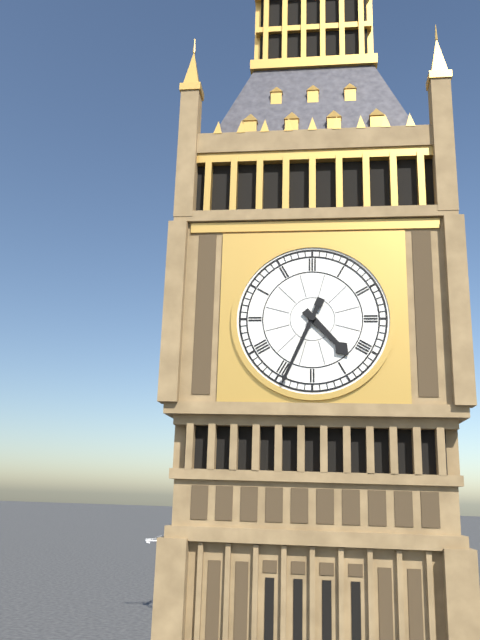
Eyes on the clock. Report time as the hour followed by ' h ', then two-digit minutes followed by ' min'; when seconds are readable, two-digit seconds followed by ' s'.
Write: 4 h 34 min
